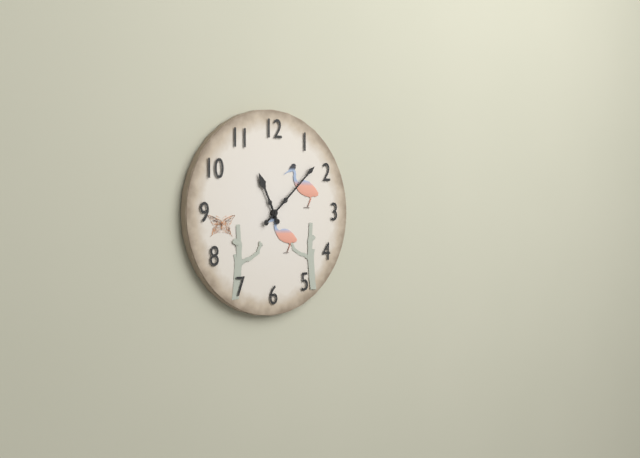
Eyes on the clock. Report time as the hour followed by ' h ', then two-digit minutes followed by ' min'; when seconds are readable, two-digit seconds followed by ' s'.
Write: 11 h 08 min
